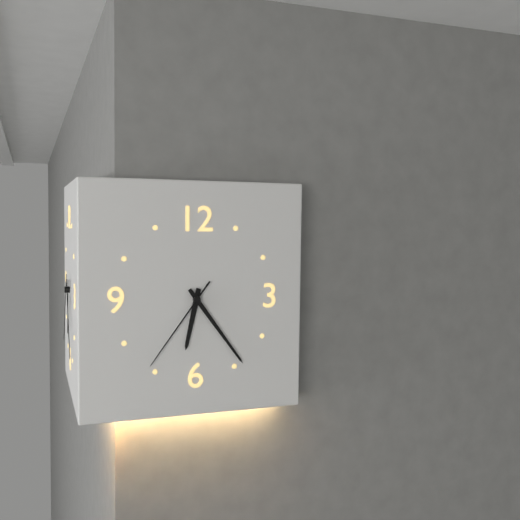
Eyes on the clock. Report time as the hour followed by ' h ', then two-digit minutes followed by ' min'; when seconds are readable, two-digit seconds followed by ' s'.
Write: 6 h 24 min 36 s
